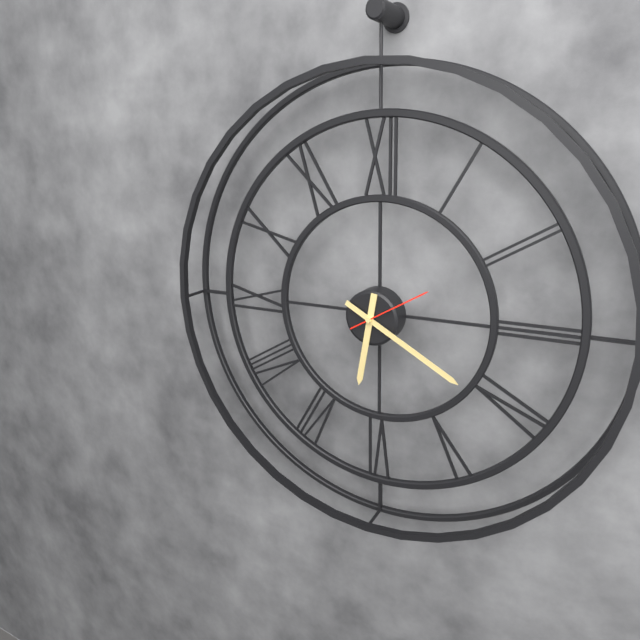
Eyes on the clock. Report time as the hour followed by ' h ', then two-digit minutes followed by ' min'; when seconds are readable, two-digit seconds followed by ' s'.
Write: 6 h 20 min 10 s
